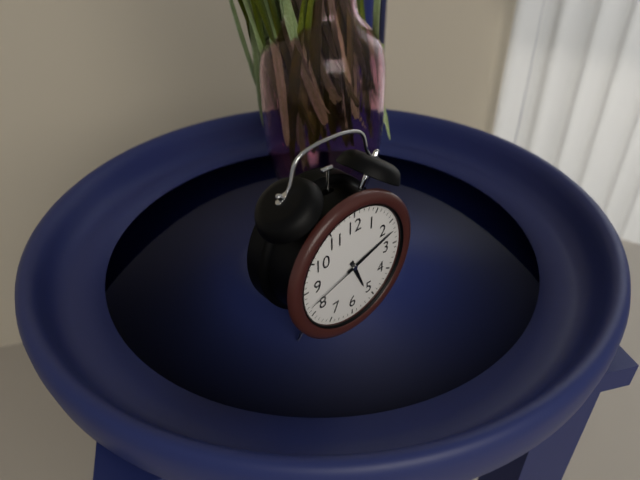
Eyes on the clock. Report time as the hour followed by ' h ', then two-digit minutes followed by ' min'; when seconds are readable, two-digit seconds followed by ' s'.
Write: 5 h 12 min 42 s
